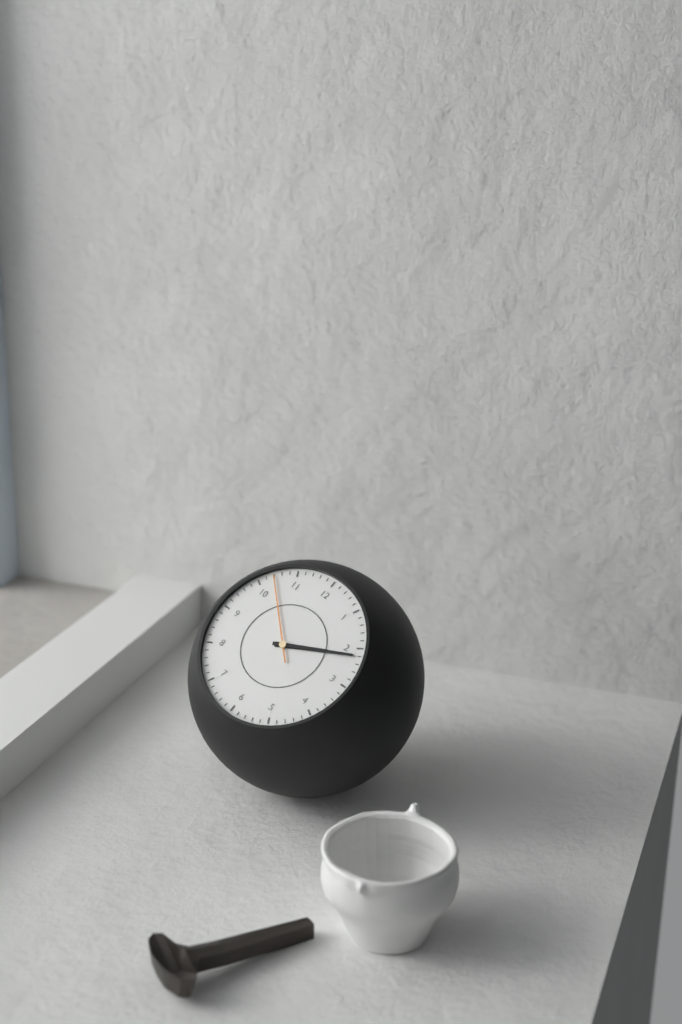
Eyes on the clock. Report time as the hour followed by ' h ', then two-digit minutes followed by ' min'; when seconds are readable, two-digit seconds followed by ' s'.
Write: 2 h 11 min 52 s
